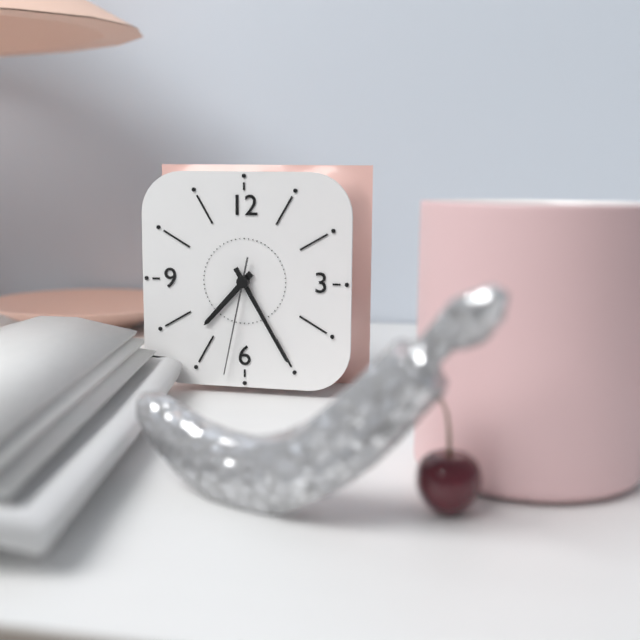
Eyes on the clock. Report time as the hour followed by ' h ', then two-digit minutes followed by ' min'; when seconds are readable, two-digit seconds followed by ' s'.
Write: 7 h 25 min 32 s
